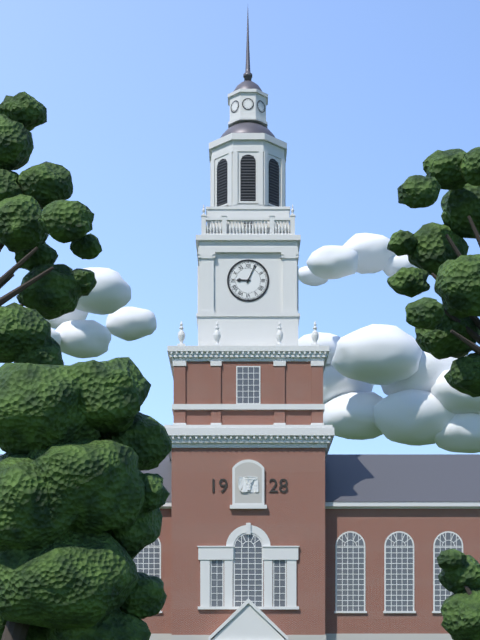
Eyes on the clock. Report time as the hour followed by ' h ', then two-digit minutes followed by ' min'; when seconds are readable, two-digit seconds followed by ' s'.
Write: 9 h 04 min
